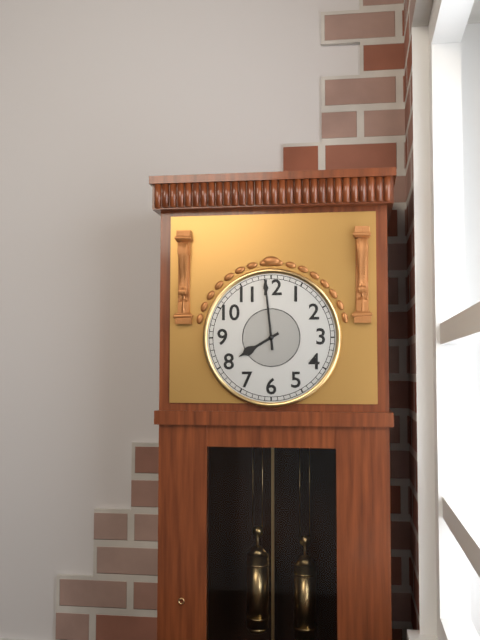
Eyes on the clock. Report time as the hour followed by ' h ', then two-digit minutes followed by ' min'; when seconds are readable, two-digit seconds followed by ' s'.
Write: 7 h 59 min
